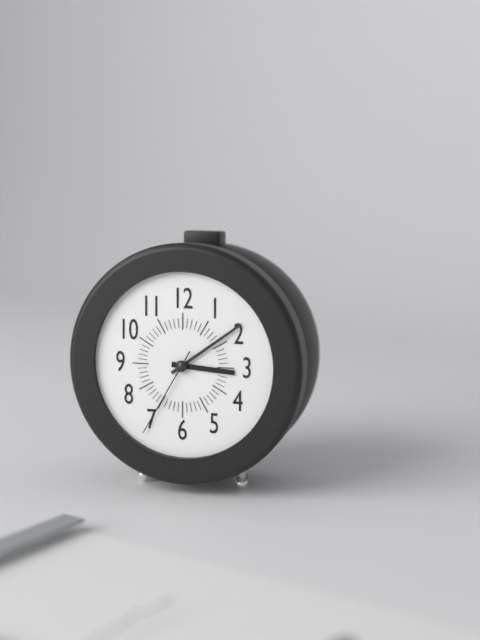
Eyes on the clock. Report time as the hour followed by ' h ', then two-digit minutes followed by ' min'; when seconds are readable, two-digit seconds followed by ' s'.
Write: 3 h 09 min 35 s
